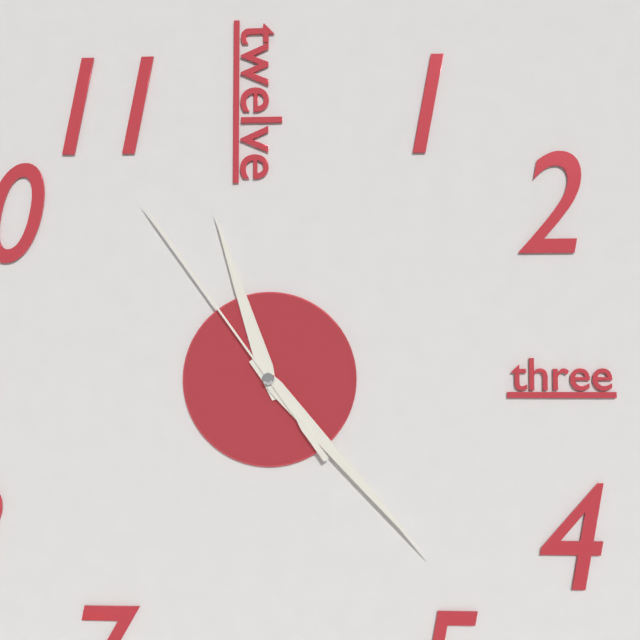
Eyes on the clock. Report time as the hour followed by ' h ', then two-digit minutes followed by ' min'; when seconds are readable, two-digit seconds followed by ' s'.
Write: 11 h 23 min 54 s
